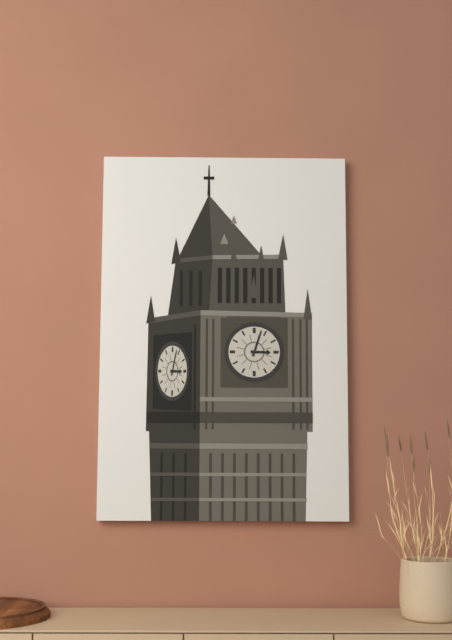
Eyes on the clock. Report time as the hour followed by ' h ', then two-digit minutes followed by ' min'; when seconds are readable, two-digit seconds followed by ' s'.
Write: 3 h 03 min
